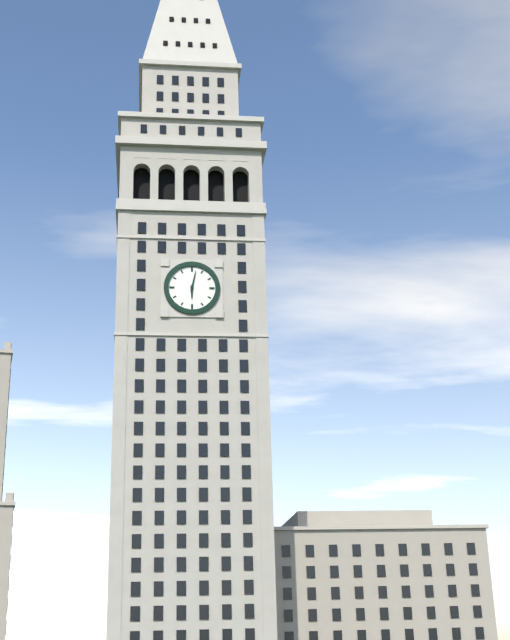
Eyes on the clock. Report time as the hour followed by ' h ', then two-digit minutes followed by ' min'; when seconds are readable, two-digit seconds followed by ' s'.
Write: 6 h 02 min
